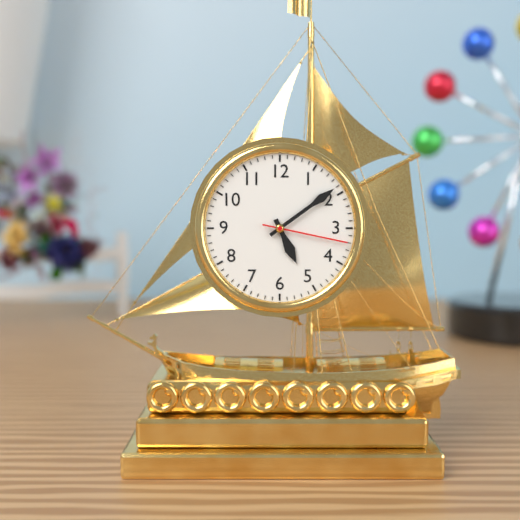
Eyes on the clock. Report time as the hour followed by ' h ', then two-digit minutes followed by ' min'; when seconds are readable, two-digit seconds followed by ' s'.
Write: 5 h 09 min 17 s
